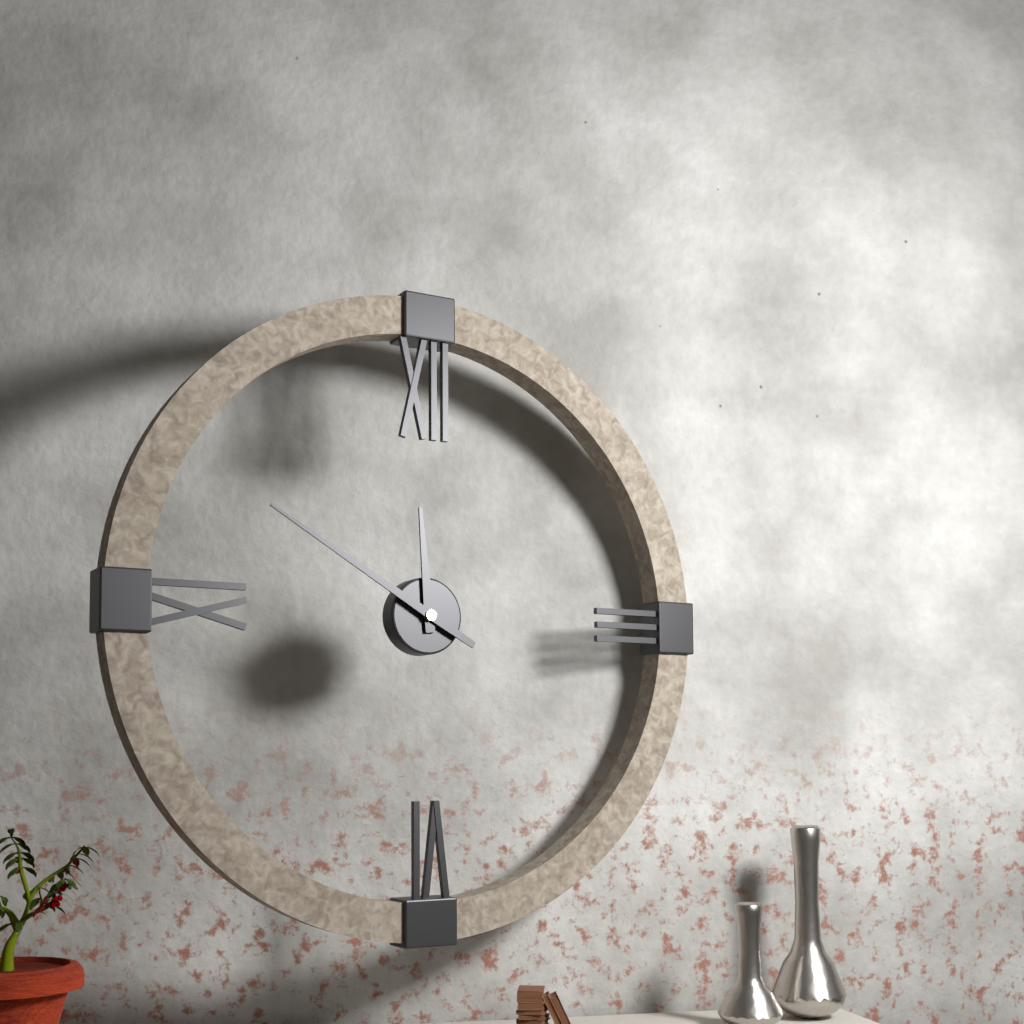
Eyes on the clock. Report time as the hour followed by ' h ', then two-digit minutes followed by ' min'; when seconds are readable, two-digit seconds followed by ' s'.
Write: 11 h 50 min
